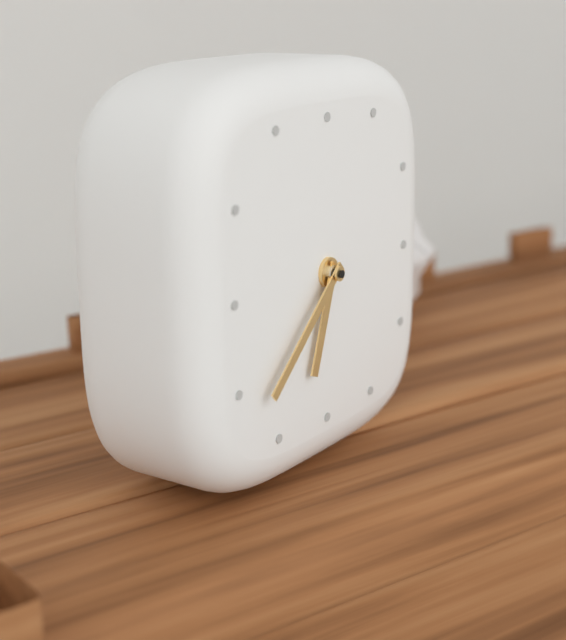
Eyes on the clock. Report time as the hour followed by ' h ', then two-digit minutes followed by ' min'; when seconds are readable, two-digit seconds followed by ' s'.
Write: 6 h 38 min
